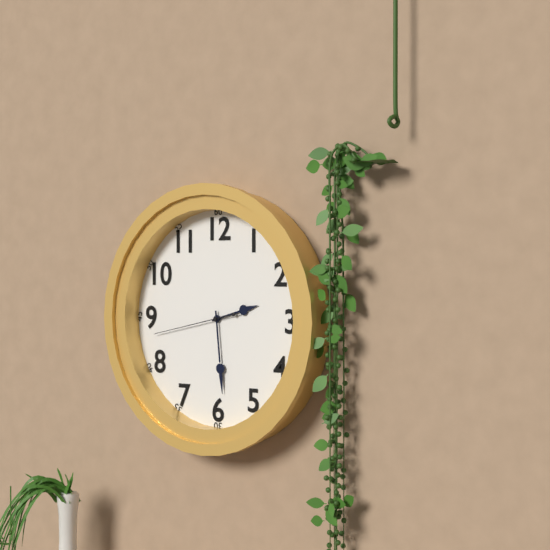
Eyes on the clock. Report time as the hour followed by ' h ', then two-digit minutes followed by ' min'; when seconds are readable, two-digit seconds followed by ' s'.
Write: 2 h 29 min 43 s
